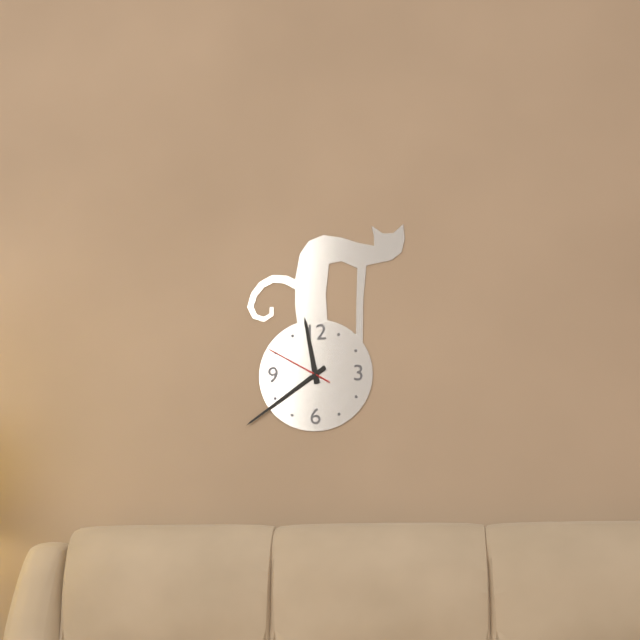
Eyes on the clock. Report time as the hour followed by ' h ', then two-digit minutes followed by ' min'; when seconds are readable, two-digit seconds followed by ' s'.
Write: 11 h 39 min 50 s
